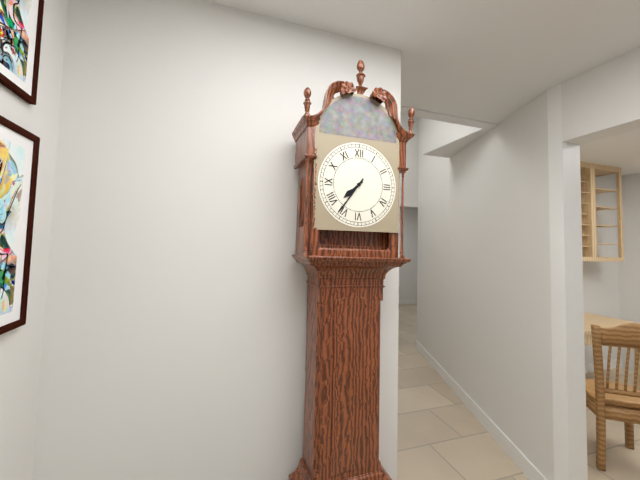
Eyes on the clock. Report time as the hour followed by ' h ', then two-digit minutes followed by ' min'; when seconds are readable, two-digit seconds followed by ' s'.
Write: 7 h 36 min
